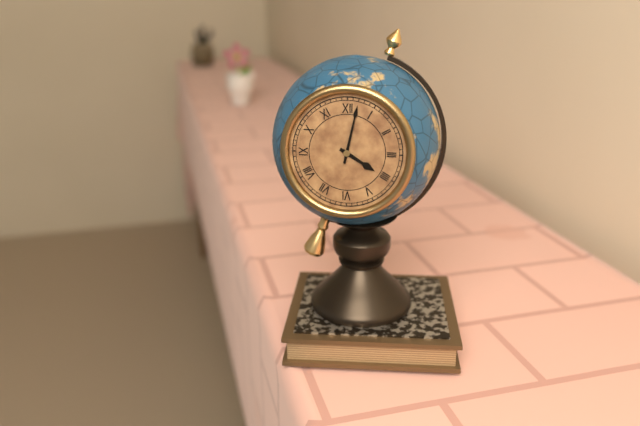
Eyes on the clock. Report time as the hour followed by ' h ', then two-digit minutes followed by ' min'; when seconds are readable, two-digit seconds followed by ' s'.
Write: 4 h 02 min
